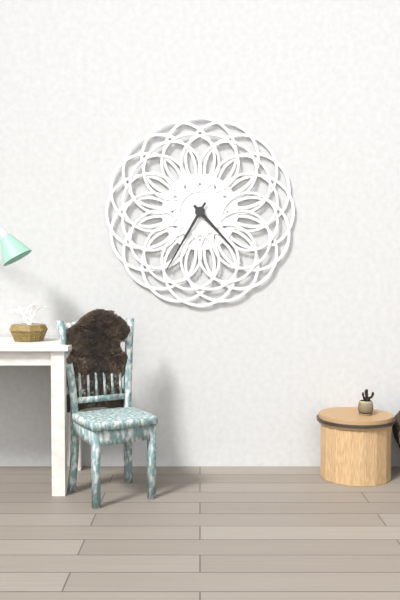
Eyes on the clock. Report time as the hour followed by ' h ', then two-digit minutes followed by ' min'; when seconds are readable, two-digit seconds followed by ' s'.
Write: 4 h 35 min
